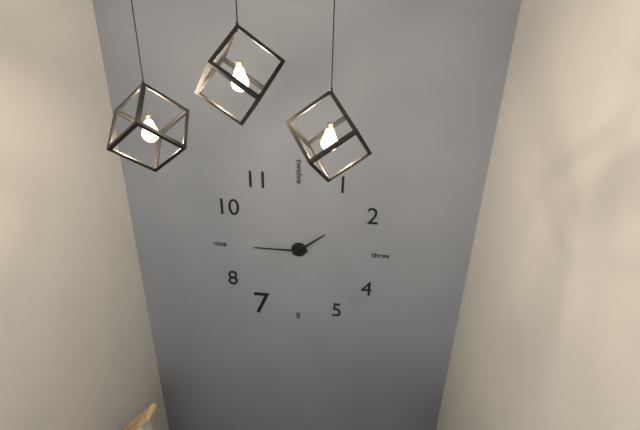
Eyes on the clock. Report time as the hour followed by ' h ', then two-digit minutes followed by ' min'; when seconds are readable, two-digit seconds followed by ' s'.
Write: 1 h 45 min
